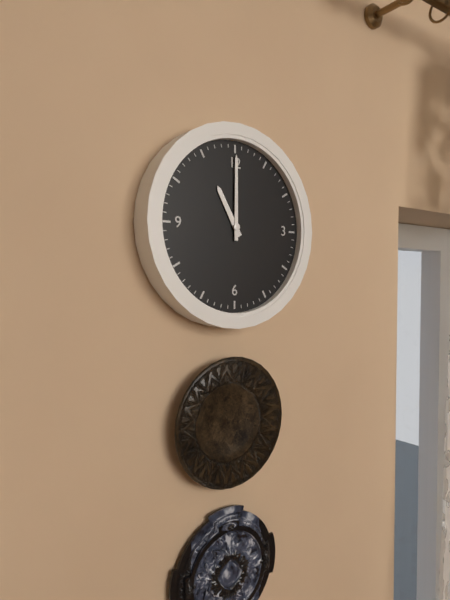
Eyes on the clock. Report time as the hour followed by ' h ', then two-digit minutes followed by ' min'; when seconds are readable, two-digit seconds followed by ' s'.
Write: 11 h 00 min
